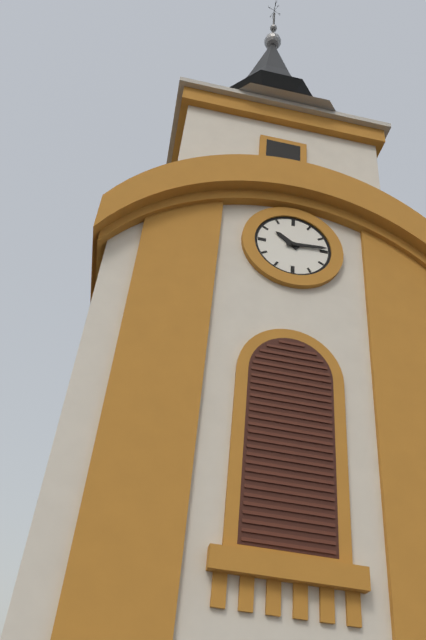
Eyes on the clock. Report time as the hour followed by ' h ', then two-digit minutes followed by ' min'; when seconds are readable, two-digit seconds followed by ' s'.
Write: 10 h 14 min
